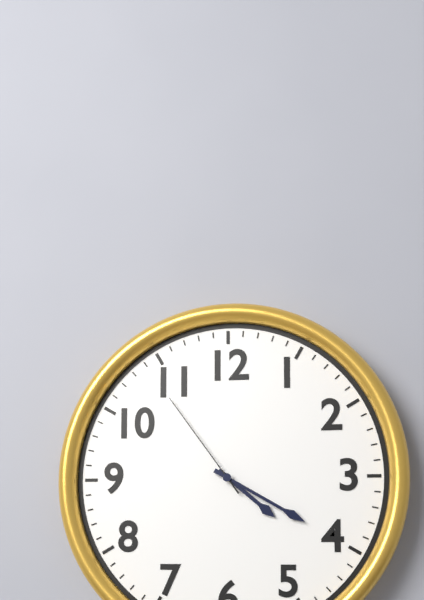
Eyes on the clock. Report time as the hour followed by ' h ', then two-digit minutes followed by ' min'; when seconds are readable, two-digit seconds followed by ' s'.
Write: 4 h 20 min 54 s
